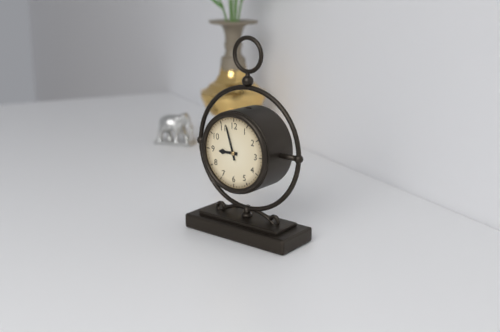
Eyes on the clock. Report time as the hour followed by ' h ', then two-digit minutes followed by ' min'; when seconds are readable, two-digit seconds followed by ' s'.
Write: 8 h 57 min
